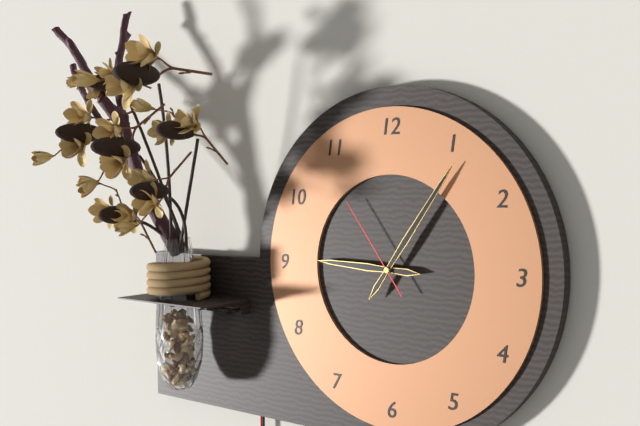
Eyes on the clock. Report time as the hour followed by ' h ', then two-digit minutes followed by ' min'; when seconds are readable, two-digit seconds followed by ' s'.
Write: 9 h 06 min 54 s
